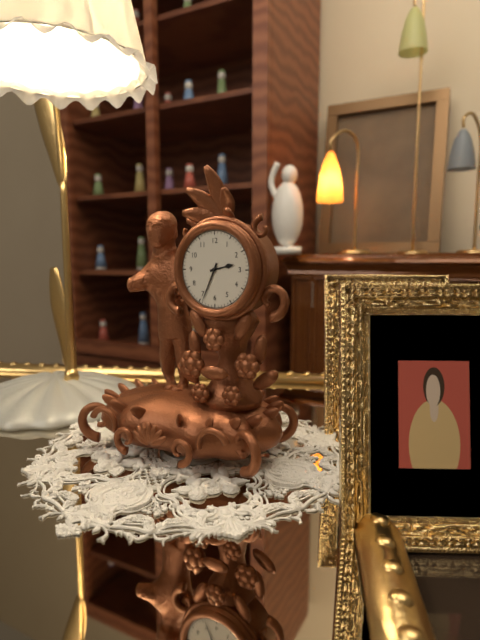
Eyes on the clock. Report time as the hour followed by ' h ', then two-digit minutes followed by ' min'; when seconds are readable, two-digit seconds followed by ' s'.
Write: 2 h 34 min
